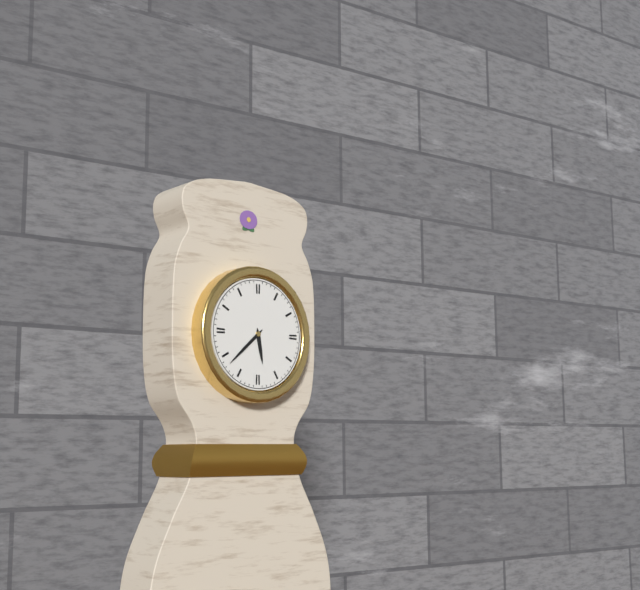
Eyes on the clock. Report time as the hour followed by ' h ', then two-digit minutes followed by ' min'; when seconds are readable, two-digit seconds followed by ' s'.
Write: 5 h 38 min
